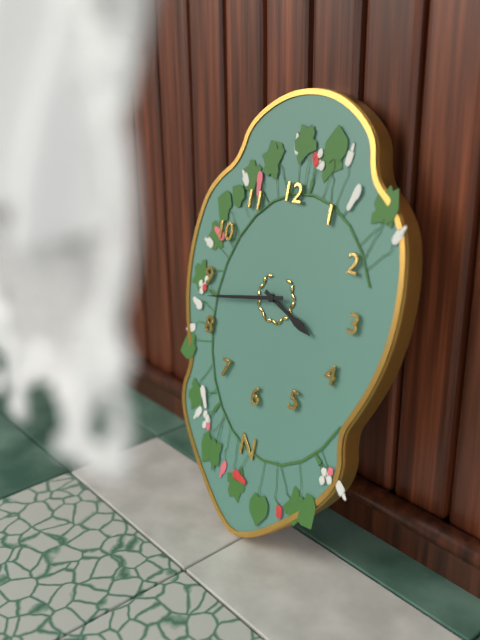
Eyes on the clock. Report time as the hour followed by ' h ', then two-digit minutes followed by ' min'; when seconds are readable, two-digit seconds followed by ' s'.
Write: 3 h 43 min
